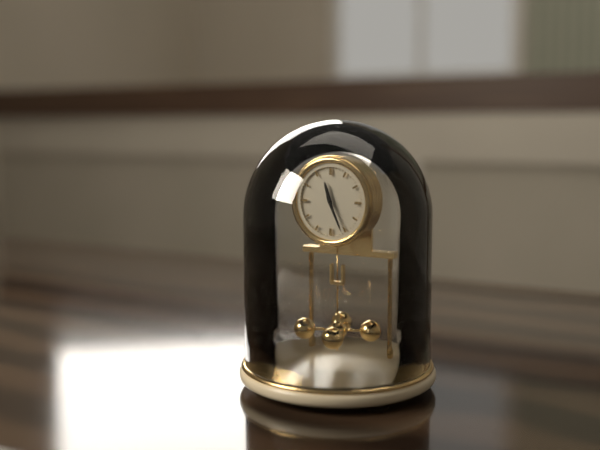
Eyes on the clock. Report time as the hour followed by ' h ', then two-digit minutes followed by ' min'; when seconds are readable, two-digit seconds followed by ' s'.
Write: 11 h 26 min
